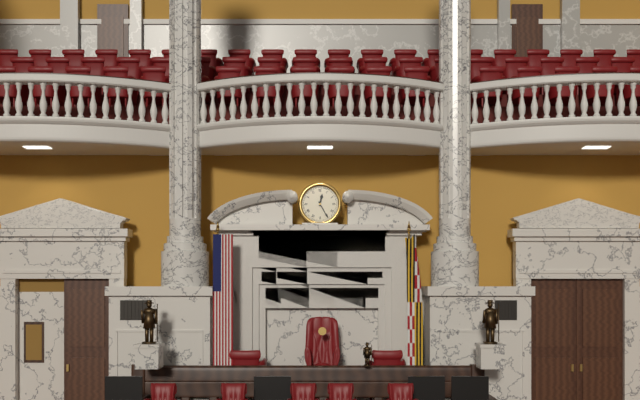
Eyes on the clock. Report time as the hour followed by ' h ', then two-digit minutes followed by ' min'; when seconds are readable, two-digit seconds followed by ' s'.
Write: 12 h 25 min
